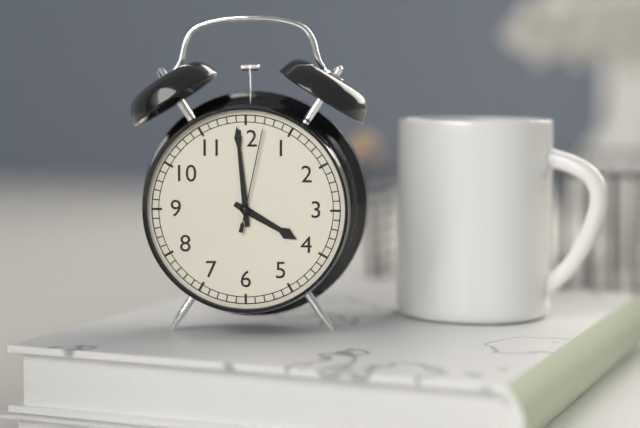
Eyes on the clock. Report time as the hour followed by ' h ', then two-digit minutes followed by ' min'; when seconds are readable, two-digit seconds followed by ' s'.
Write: 3 h 59 min 02 s
